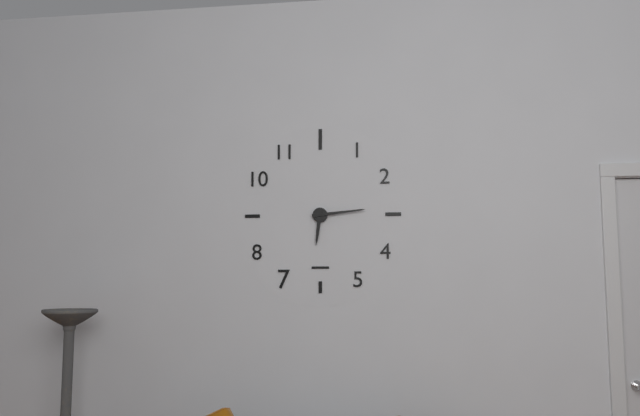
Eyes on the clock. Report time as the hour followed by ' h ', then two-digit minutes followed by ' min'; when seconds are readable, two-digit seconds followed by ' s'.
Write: 6 h 14 min
